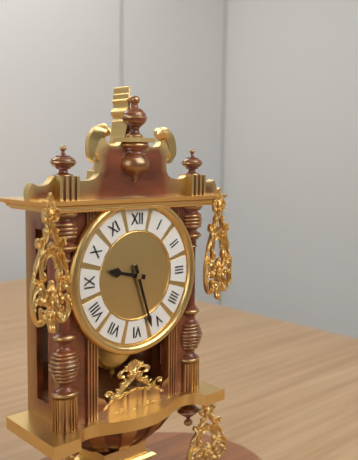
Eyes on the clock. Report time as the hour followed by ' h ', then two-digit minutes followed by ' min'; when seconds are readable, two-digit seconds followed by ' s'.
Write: 9 h 27 min
